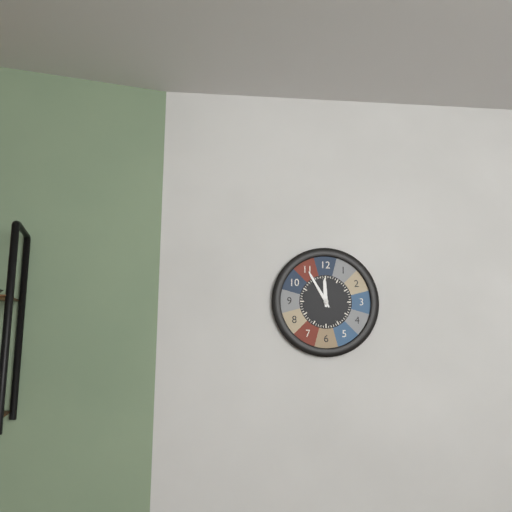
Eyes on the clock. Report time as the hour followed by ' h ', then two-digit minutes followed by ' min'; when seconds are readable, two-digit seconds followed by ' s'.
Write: 11 h 55 min
